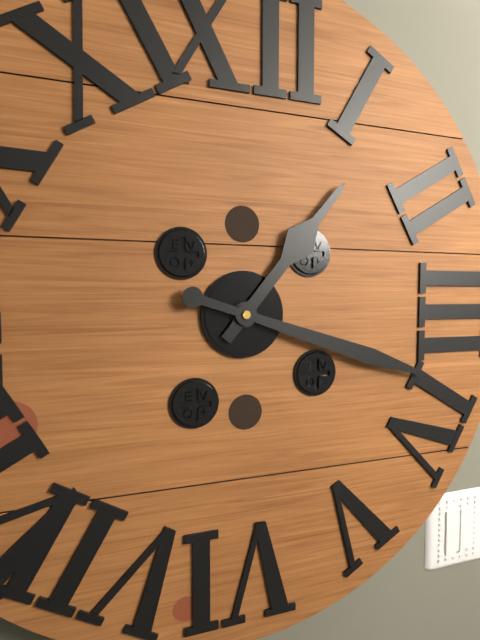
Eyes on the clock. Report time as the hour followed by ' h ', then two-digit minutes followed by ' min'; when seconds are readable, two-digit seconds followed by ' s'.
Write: 1 h 18 min
